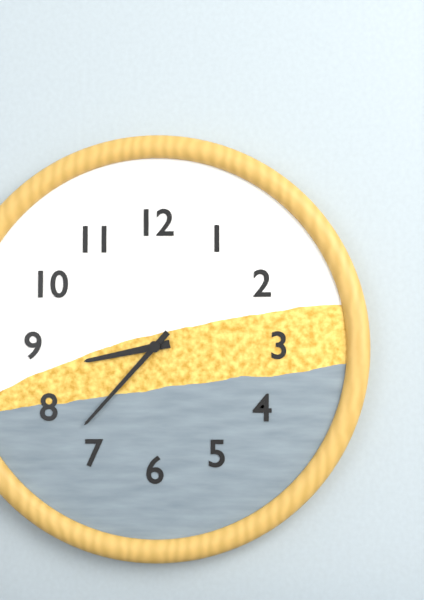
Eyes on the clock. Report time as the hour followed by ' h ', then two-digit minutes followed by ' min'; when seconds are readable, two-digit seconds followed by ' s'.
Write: 8 h 37 min
